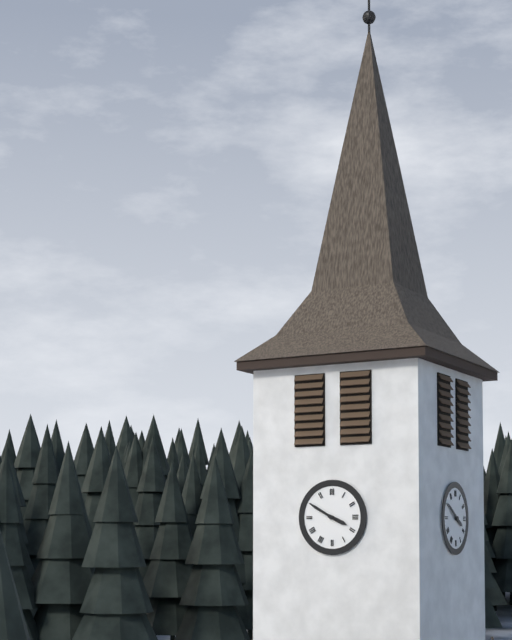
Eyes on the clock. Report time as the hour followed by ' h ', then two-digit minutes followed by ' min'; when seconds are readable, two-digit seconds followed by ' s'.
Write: 3 h 50 min
